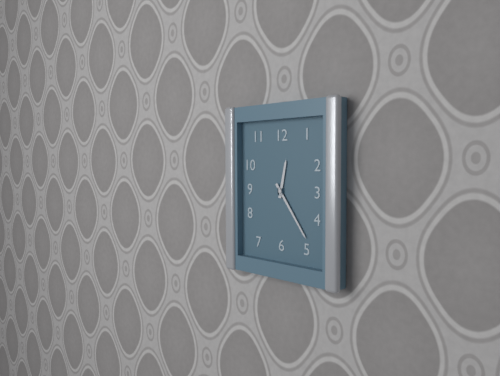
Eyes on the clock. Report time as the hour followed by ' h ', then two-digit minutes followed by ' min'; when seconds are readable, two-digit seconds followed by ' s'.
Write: 12 h 24 min
